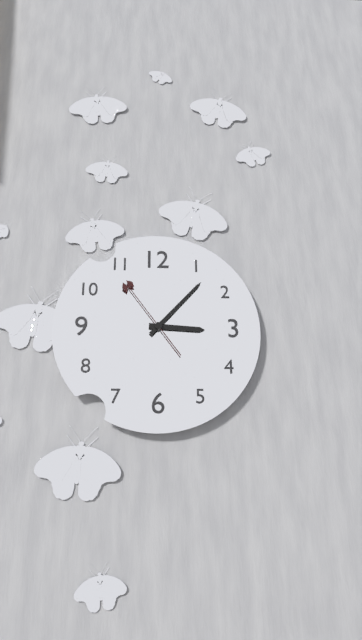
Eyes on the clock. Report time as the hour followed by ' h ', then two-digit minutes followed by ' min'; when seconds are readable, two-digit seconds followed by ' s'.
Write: 3 h 07 min 54 s
